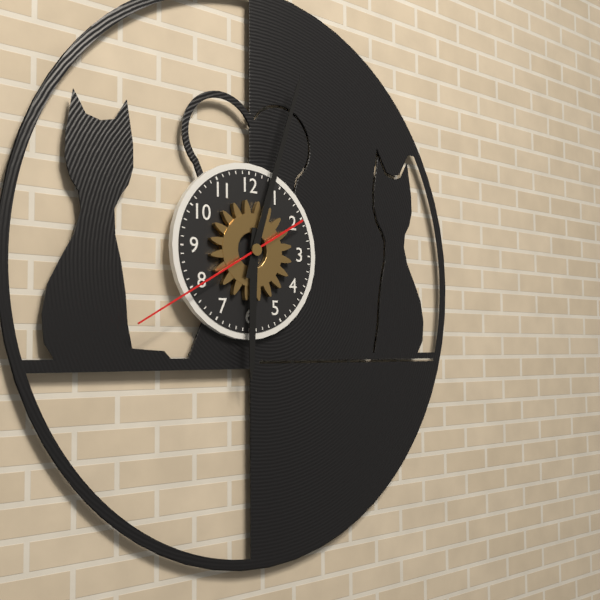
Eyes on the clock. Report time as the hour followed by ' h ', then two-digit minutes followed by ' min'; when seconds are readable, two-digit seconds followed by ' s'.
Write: 6 h 03 min 40 s
